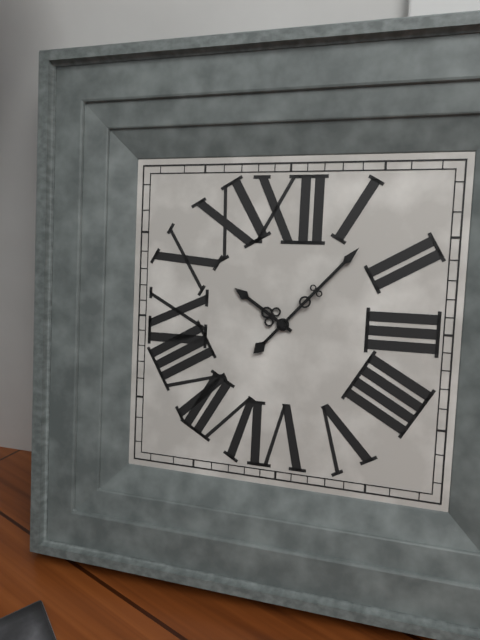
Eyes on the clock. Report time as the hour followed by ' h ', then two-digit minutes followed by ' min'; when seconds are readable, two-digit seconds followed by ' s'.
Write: 10 h 07 min
